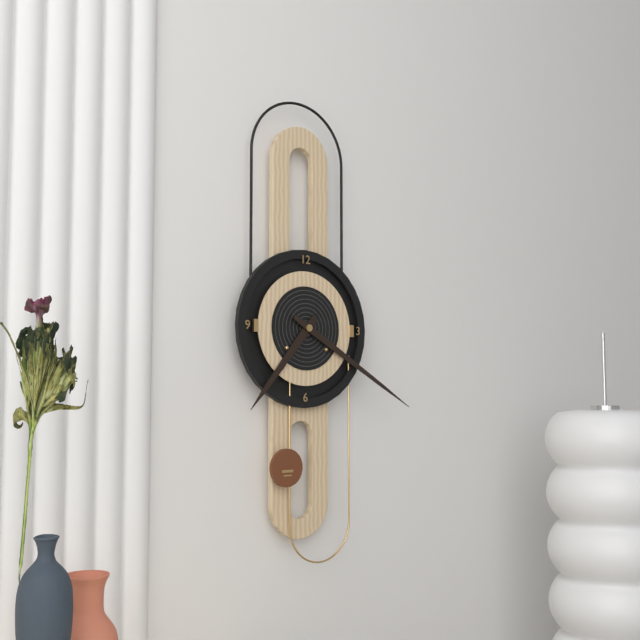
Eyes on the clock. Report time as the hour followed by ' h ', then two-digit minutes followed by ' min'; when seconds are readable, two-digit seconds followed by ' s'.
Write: 7 h 20 min
